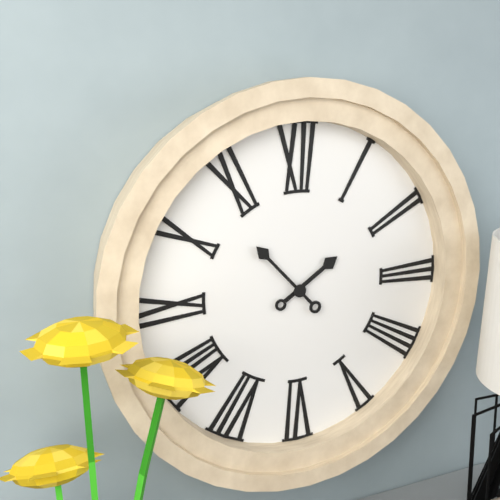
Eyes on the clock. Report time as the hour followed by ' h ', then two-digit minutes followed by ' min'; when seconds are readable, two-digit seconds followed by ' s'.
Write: 1 h 53 min
